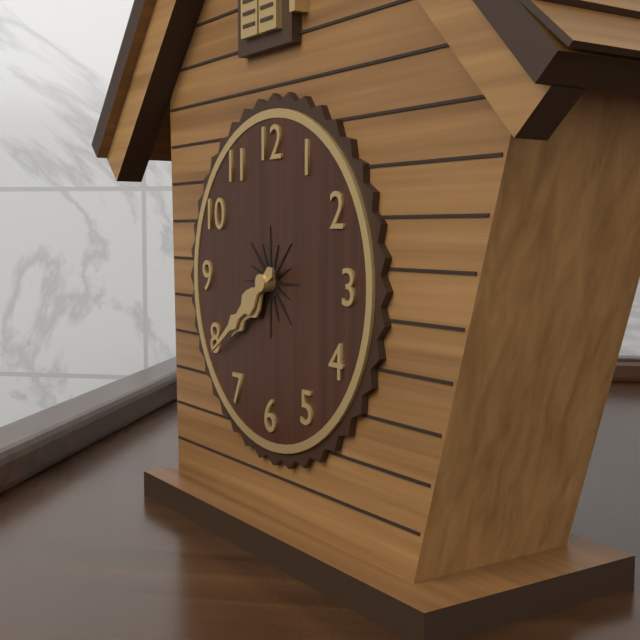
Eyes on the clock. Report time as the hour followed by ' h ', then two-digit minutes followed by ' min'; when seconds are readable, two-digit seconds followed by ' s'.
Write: 7 h 39 min
